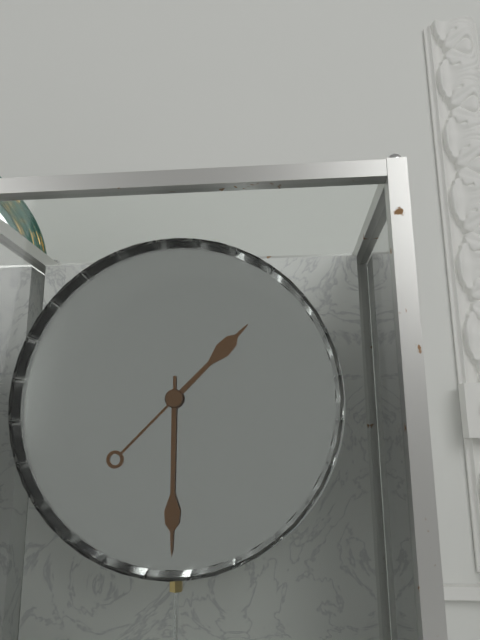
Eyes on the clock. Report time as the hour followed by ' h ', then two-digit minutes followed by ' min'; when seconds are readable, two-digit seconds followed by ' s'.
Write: 1 h 30 min
